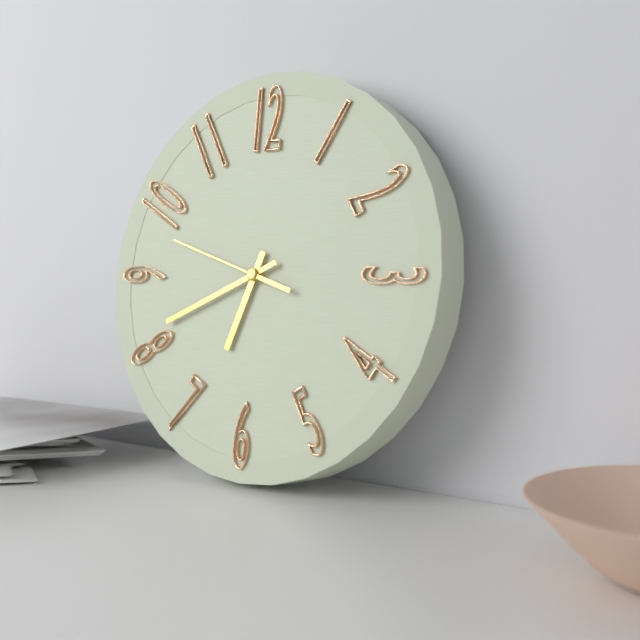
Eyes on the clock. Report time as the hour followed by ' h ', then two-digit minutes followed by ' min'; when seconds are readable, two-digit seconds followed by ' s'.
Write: 6 h 41 min 48 s
